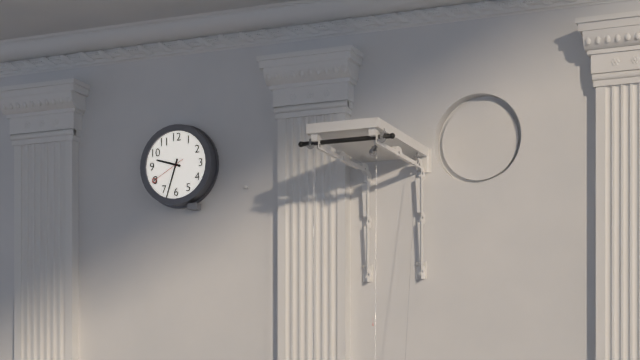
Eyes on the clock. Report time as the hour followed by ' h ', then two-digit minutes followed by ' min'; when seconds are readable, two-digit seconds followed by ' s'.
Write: 9 h 33 min
